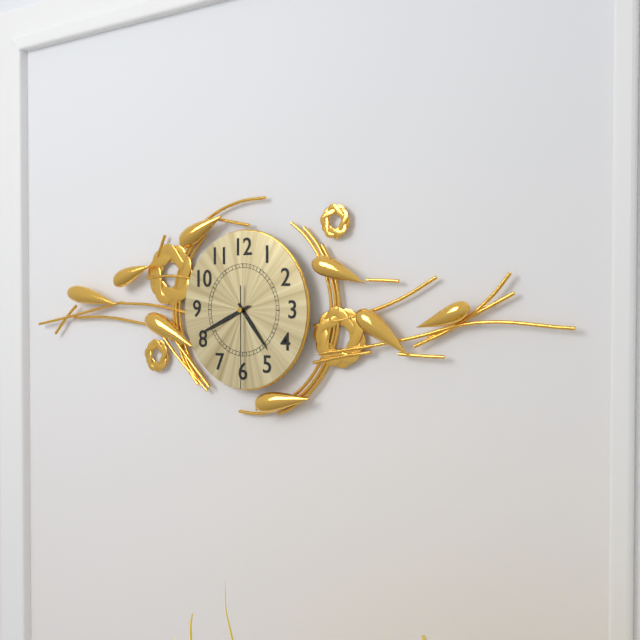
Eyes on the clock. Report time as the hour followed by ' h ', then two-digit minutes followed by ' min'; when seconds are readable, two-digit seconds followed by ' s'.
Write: 4 h 41 min 30 s
